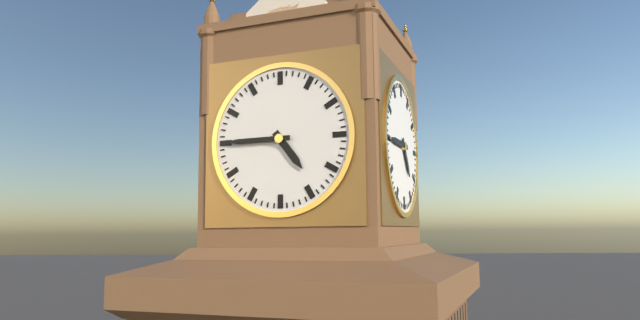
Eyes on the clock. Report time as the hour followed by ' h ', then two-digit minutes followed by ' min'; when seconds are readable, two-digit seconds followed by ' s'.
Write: 4 h 45 min
